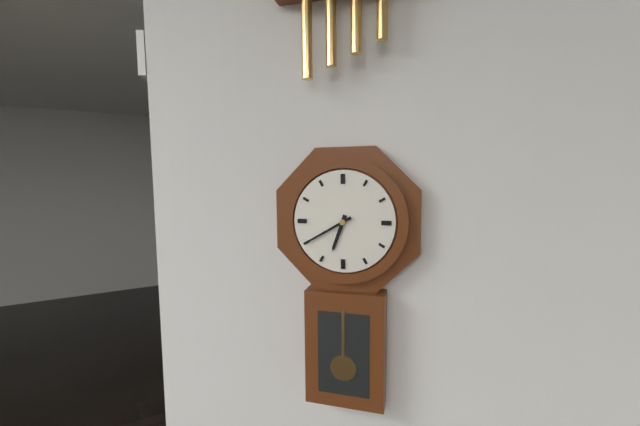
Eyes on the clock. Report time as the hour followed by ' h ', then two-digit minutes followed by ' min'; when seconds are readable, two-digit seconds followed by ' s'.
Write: 6 h 40 min
